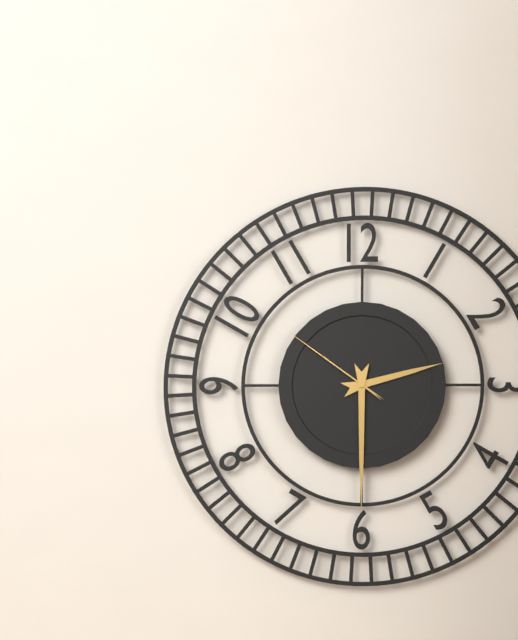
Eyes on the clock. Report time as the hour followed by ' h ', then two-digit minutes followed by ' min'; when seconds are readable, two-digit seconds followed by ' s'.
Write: 2 h 30 min 51 s
